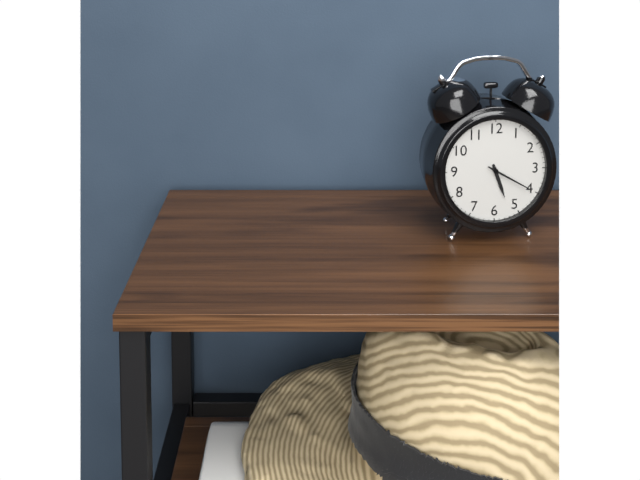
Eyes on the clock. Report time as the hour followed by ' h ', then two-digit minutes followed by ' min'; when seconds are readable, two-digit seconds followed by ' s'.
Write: 5 h 20 min
